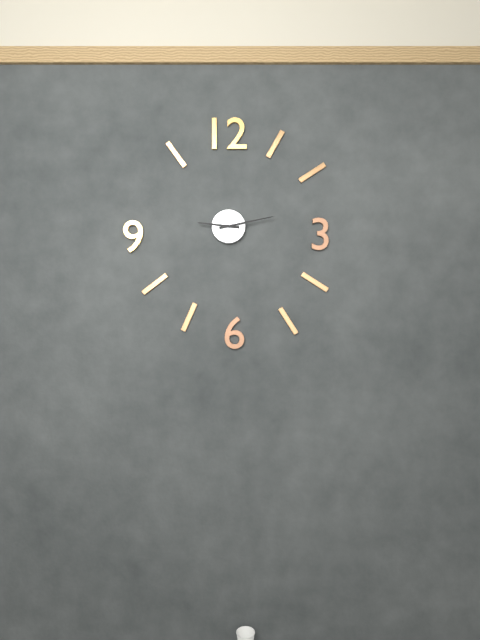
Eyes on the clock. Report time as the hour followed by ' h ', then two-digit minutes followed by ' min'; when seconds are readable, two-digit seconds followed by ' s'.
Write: 9 h 13 min
